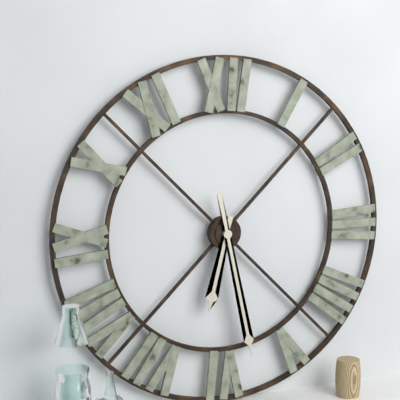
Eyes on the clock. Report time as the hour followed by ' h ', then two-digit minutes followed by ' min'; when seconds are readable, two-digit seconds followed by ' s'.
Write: 6 h 28 min
